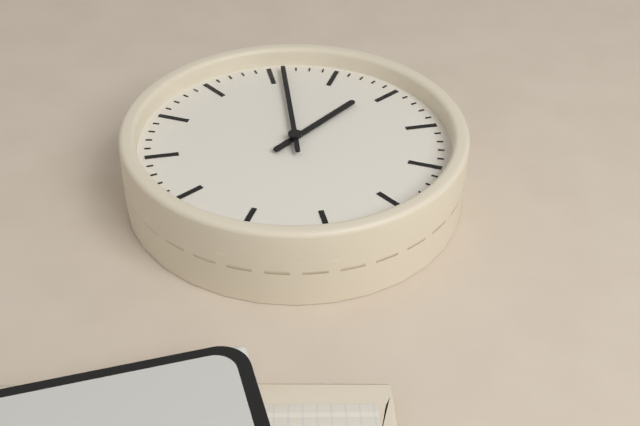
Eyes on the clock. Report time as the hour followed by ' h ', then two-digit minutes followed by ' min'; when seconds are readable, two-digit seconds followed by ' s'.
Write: 10 h 46 min
